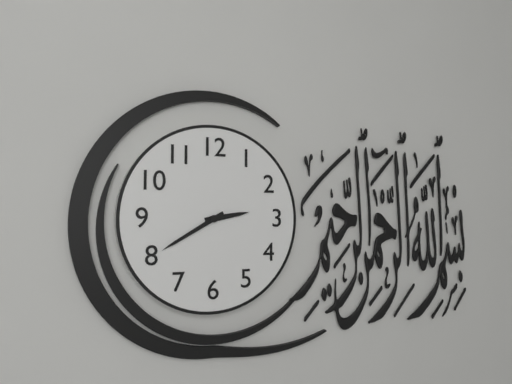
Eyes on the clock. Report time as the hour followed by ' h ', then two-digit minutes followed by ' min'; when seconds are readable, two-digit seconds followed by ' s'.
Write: 2 h 40 min
